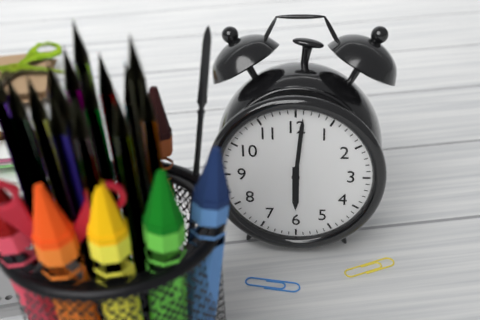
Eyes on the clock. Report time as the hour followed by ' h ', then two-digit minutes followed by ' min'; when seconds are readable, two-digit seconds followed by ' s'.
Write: 6 h 01 min
